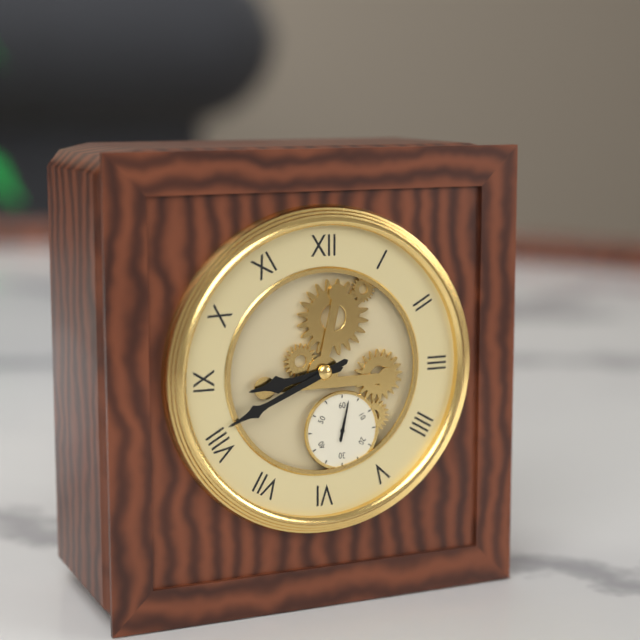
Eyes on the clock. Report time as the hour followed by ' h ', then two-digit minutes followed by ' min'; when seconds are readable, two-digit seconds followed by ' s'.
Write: 8 h 41 min
